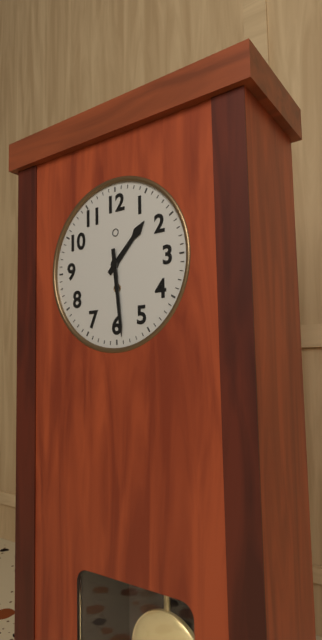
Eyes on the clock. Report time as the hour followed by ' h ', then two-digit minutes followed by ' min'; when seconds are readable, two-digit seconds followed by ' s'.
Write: 1 h 29 min
